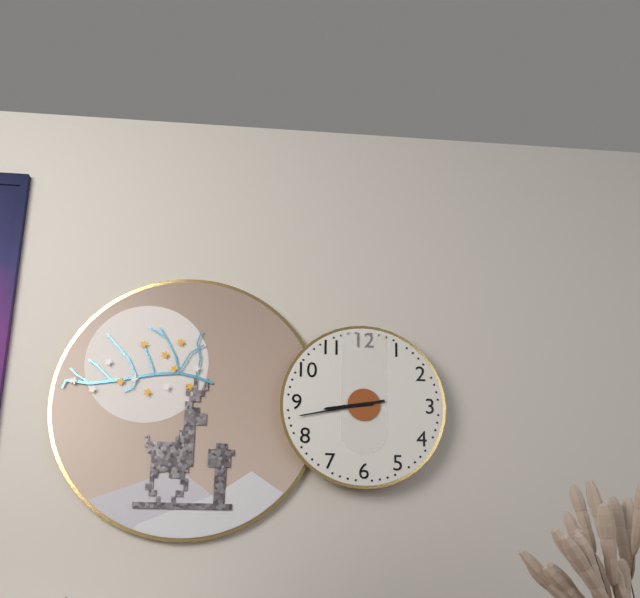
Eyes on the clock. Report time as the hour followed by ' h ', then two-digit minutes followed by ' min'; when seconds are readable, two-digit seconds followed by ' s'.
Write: 8 h 43 min
